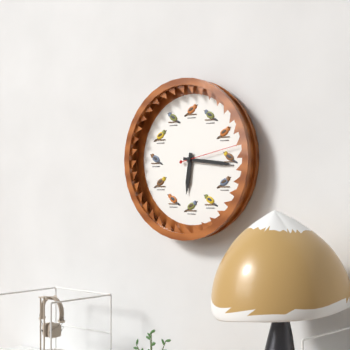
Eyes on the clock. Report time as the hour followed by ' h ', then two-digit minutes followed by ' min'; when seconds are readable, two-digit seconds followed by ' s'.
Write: 6 h 16 min 13 s
